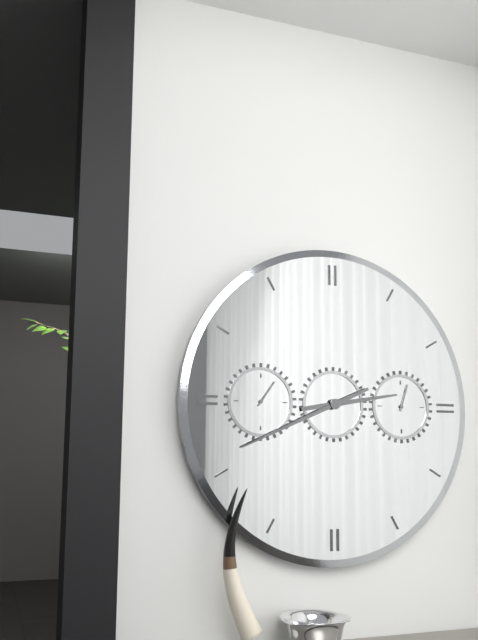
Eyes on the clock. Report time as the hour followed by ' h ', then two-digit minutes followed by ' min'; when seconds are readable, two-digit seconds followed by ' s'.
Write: 2 h 41 min
